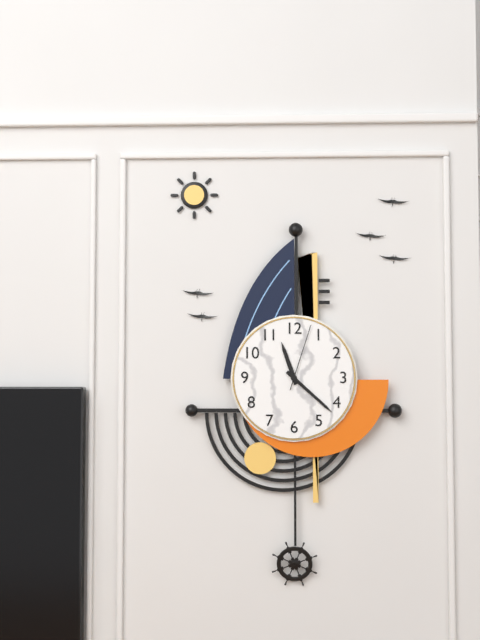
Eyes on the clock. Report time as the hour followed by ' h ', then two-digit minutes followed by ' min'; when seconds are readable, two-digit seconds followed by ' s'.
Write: 11 h 22 min 03 s
